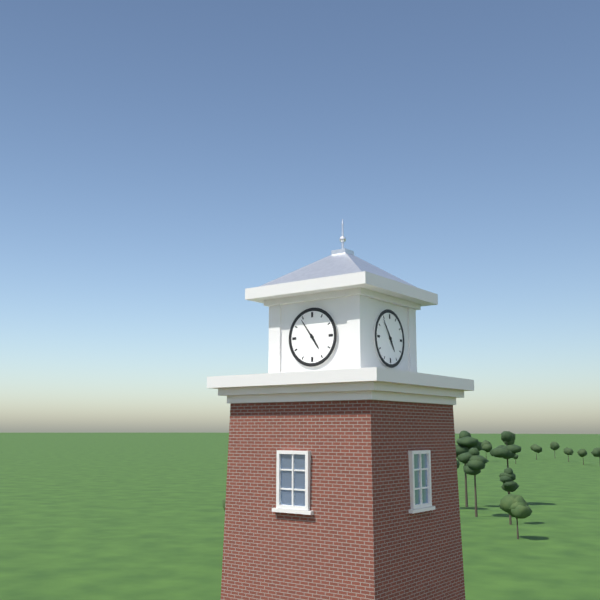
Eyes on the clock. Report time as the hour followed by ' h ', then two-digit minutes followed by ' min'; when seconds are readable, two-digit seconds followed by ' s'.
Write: 4 h 54 min
